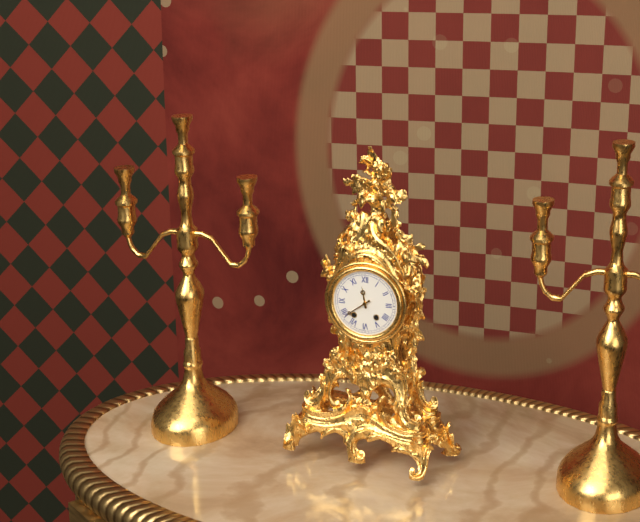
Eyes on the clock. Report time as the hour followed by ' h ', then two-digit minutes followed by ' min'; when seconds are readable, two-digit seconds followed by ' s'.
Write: 11 h 39 min
